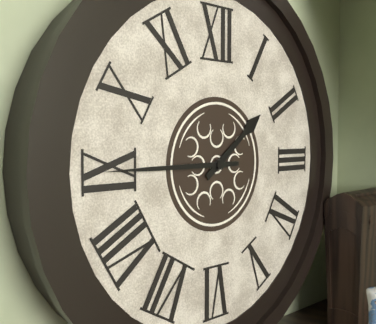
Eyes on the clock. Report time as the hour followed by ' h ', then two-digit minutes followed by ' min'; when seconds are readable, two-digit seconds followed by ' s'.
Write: 1 h 45 min
